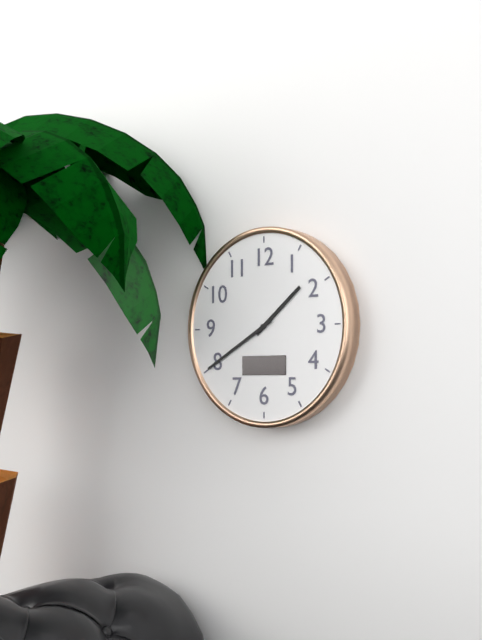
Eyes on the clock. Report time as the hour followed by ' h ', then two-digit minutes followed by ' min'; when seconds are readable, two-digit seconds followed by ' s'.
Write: 1 h 40 min
